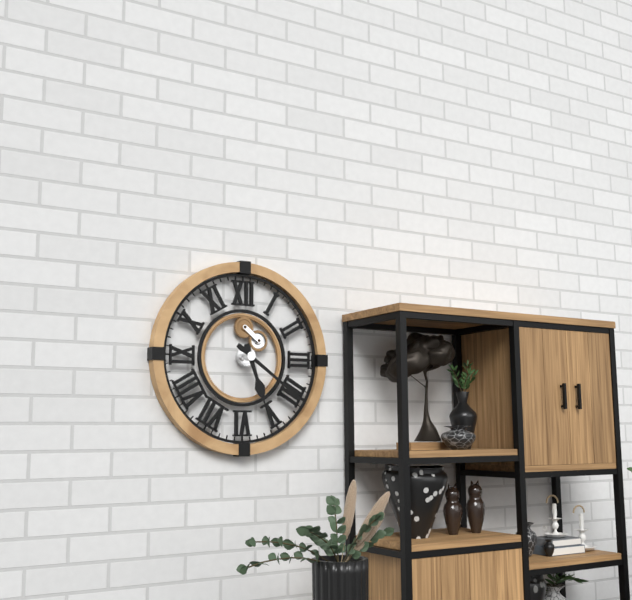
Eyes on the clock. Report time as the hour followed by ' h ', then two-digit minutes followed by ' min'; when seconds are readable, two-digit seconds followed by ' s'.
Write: 5 h 21 min
